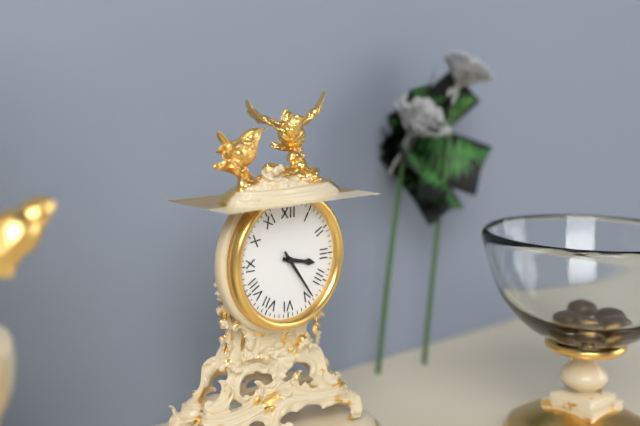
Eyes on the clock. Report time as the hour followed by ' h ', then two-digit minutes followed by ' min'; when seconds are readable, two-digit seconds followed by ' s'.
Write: 3 h 24 min
